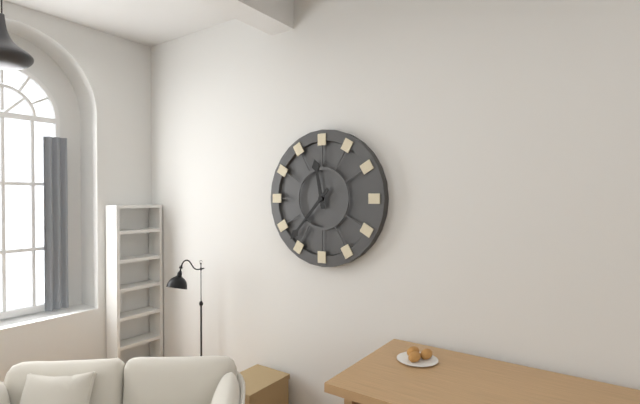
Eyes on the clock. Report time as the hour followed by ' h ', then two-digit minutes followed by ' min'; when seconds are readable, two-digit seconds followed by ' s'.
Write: 11 h 37 min
